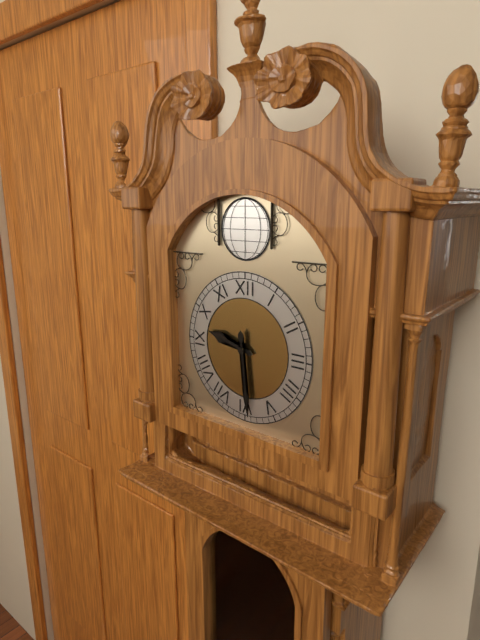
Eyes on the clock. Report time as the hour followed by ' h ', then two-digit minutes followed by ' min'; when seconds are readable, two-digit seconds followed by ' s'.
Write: 9 h 29 min
